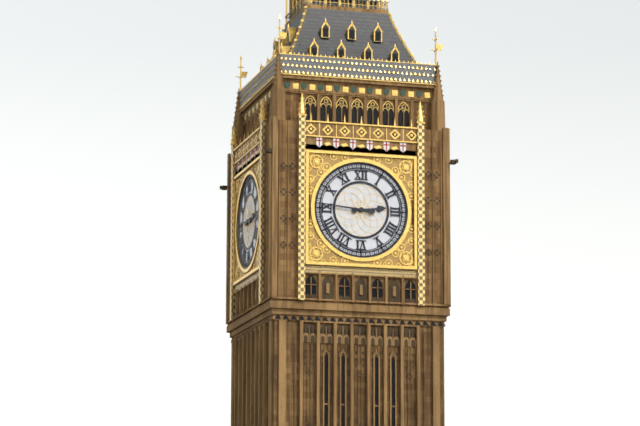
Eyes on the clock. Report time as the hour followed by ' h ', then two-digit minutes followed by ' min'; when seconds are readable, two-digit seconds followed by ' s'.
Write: 2 h 46 min
